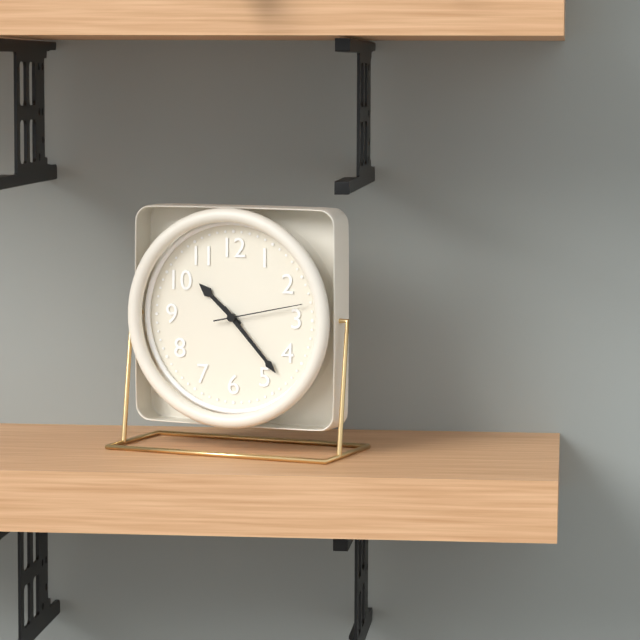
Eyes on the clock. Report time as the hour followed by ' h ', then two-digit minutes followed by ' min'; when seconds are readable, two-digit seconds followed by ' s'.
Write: 10 h 23 min 13 s
